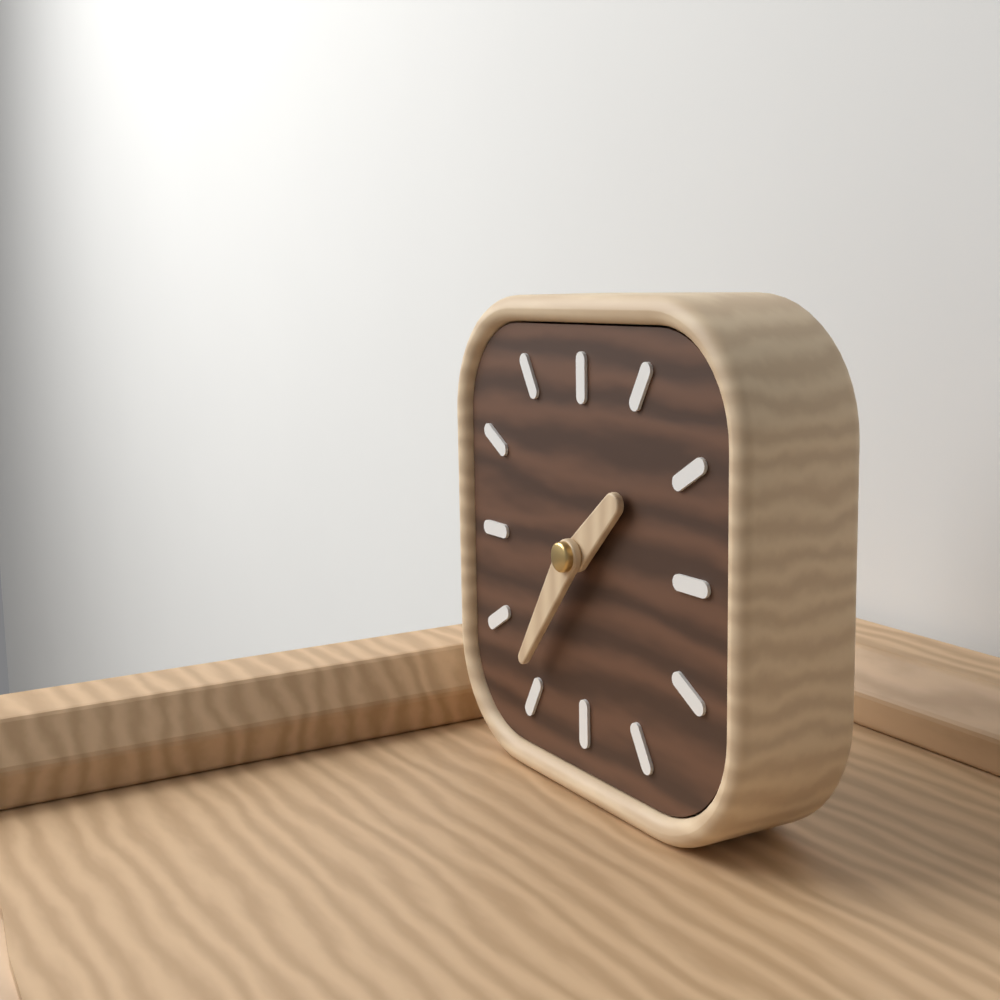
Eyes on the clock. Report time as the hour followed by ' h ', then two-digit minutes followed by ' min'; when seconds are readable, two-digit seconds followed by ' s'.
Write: 1 h 36 min
